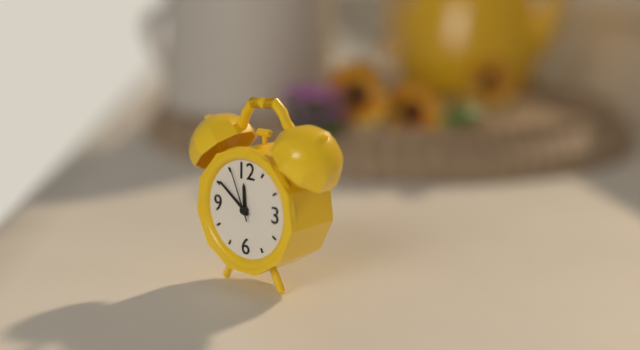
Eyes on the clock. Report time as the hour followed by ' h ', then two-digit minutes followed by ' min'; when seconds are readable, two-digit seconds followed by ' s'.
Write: 11 h 51 min 56 s
